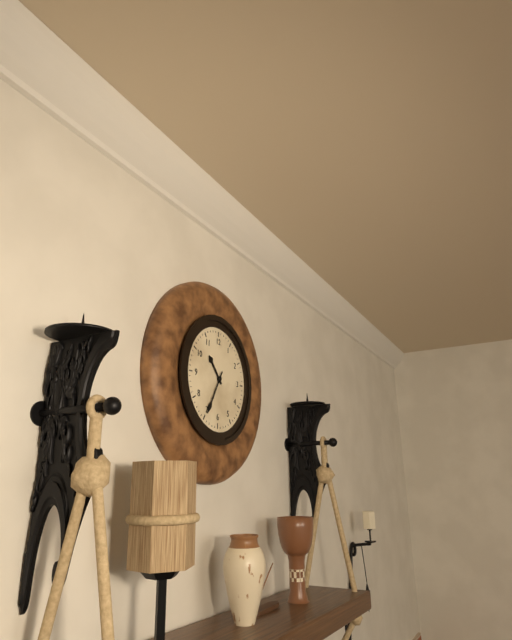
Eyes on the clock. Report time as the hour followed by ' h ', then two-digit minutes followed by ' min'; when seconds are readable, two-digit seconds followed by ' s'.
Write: 10 h 35 min
